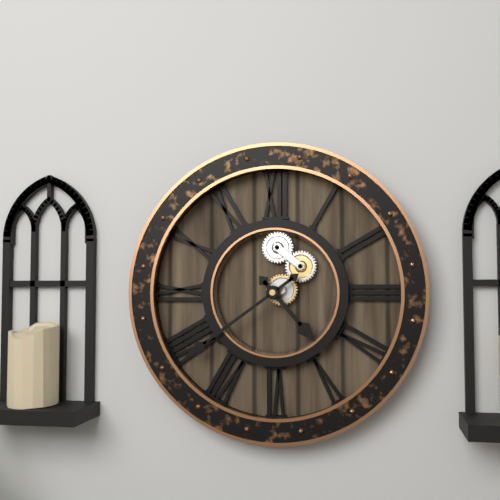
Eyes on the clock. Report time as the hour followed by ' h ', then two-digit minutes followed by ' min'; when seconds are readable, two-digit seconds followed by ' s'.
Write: 4 h 39 min
